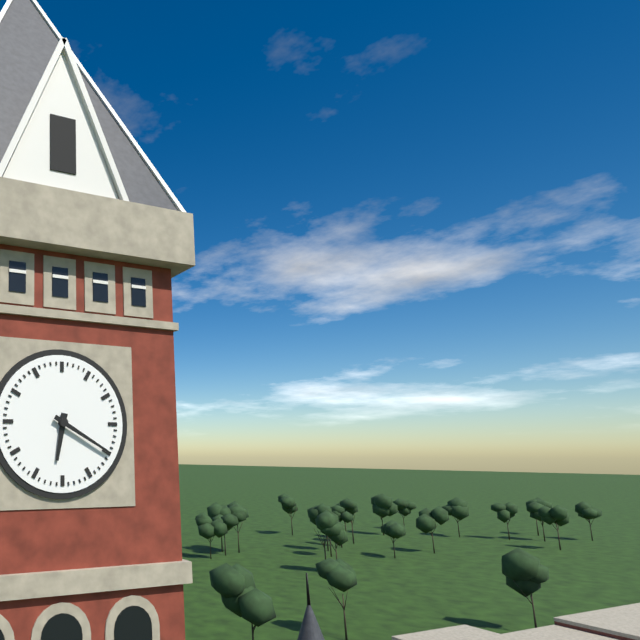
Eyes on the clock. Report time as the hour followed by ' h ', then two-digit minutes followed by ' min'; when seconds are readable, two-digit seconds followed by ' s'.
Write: 6 h 20 min
